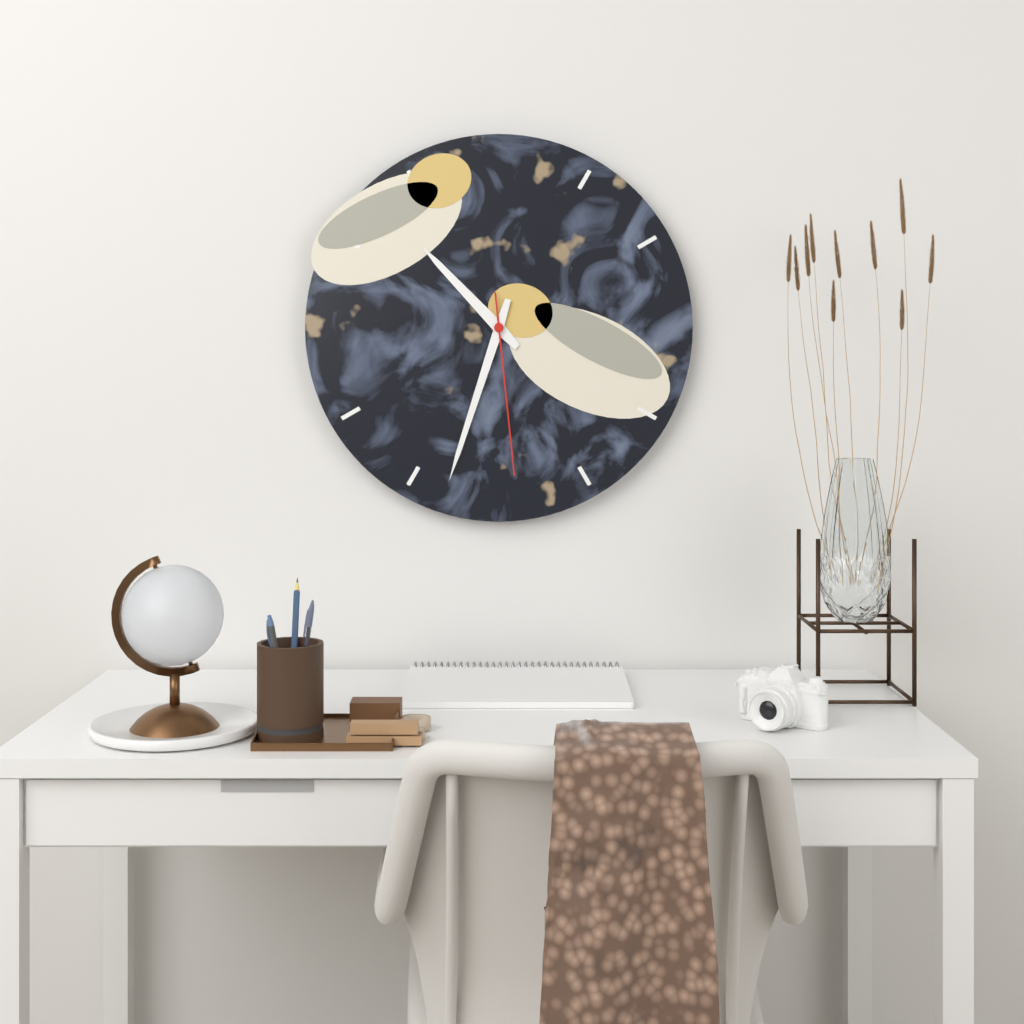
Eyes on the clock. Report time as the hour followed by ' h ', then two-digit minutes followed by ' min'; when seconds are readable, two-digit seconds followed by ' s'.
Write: 10 h 33 min 29 s
